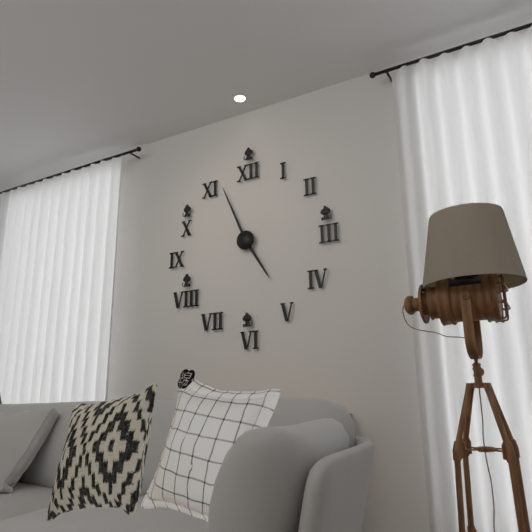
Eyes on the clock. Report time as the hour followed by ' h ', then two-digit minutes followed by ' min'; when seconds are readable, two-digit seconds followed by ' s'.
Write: 4 h 56 min
